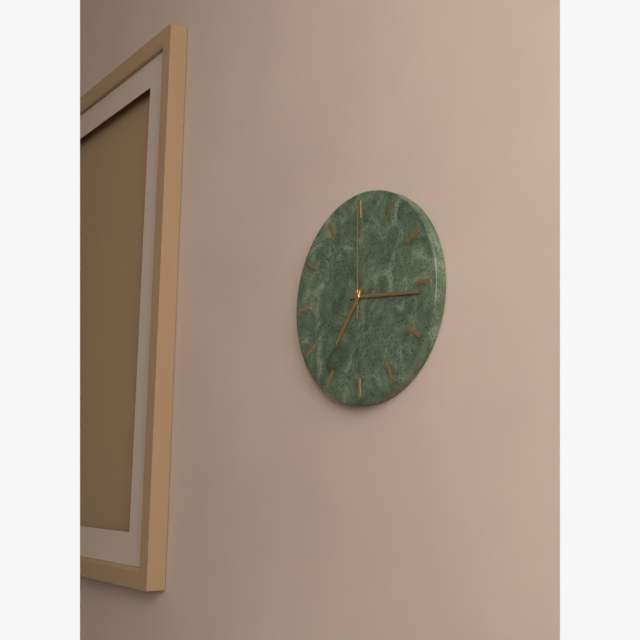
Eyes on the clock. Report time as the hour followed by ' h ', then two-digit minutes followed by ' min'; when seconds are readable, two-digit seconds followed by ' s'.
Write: 7 h 16 min 00 s
